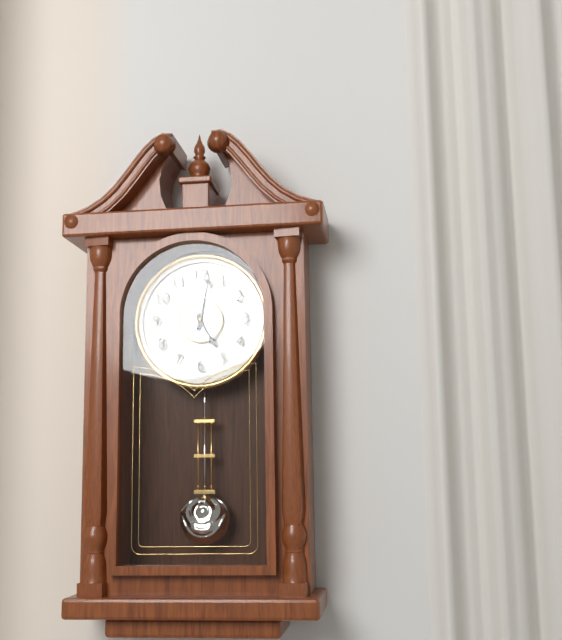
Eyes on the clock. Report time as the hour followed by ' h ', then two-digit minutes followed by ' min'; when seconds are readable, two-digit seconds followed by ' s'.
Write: 5 h 02 min
